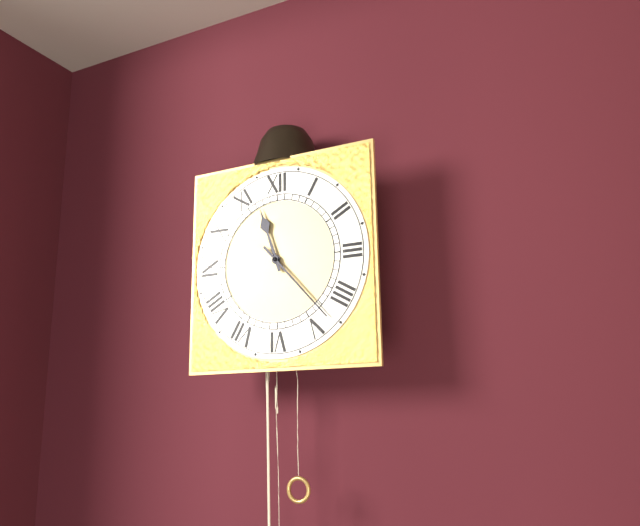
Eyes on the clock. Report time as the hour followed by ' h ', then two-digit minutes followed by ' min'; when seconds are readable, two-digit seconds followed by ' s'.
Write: 11 h 23 min
